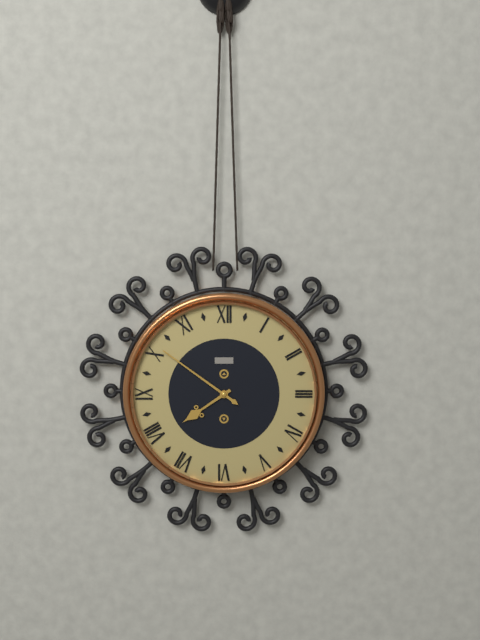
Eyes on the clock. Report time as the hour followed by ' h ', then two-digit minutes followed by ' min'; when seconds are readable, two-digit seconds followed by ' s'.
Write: 7 h 51 min
